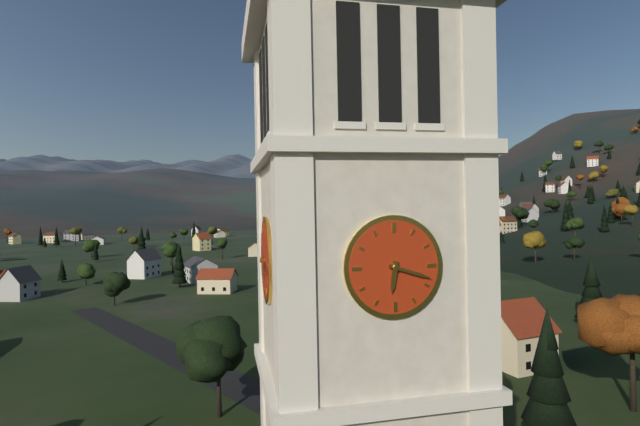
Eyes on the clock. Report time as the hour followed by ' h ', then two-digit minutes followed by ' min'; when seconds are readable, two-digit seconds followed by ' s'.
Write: 6 h 18 min
